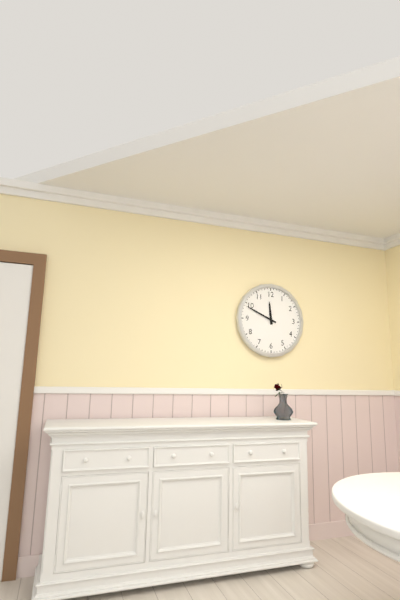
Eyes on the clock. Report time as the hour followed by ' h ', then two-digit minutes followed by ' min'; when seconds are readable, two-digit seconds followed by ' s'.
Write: 11 h 49 min
